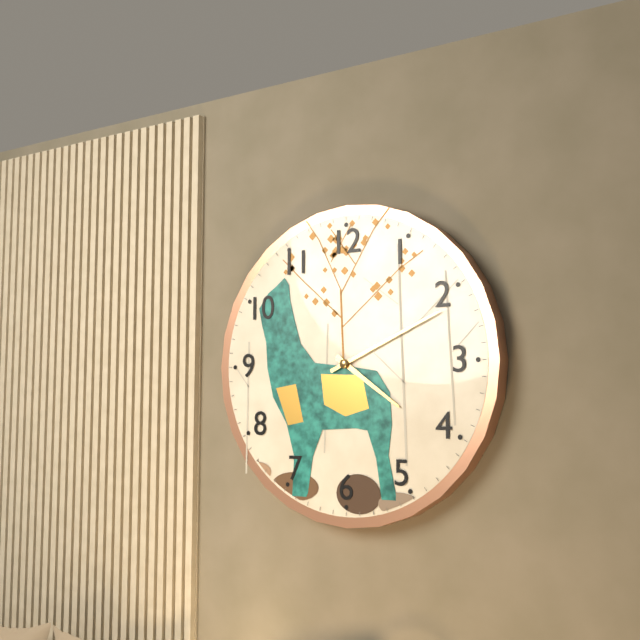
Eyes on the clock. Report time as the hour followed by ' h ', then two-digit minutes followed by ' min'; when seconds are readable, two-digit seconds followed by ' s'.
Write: 4 h 11 min
